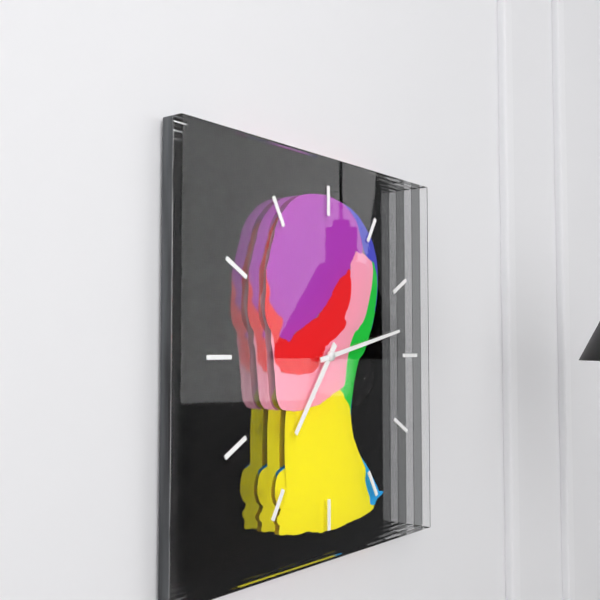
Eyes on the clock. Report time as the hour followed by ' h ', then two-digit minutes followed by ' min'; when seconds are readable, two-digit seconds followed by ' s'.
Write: 7 h 13 min
